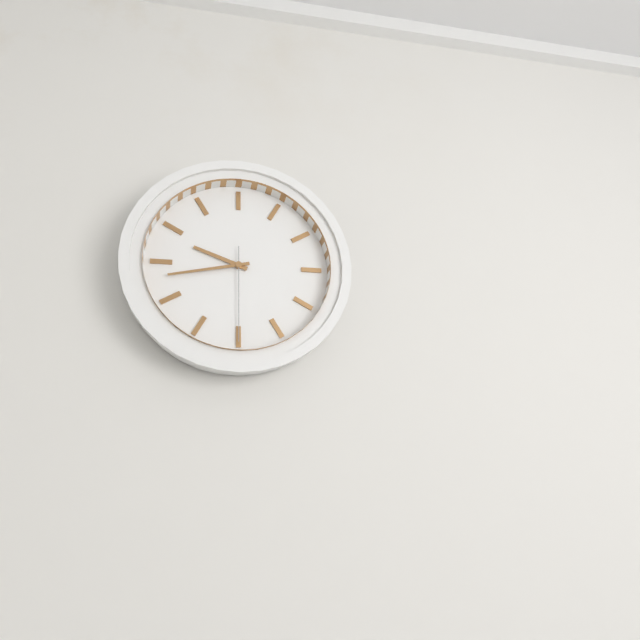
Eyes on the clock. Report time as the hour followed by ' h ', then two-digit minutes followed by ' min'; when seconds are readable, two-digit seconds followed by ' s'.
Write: 9 h 43 min 30 s
